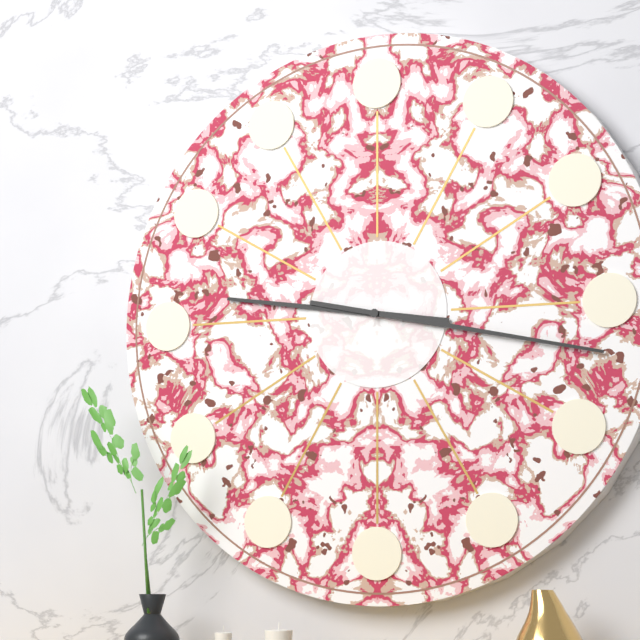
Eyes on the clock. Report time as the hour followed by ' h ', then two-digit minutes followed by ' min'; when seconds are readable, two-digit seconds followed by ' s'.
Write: 9 h 17 min
